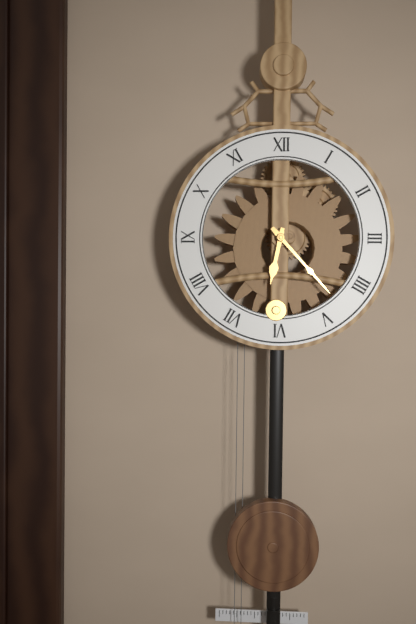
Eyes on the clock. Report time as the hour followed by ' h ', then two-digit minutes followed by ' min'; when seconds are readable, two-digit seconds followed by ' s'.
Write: 6 h 23 min
